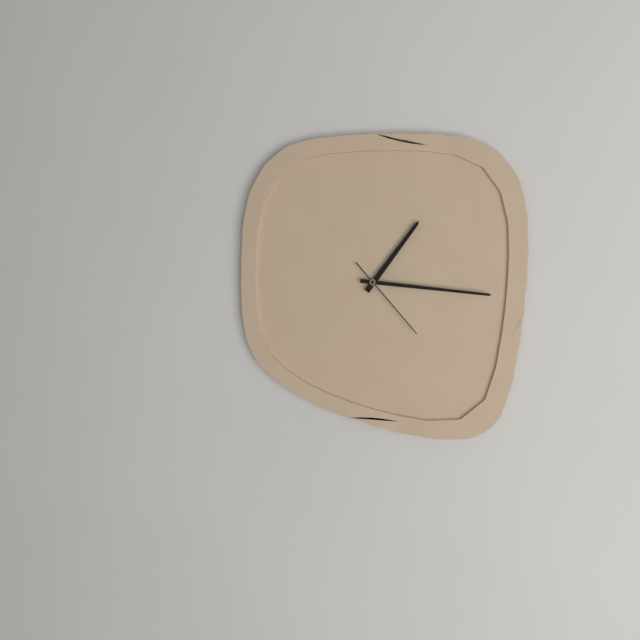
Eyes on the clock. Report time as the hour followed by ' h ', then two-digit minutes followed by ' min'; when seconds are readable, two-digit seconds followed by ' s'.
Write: 1 h 16 min 23 s
